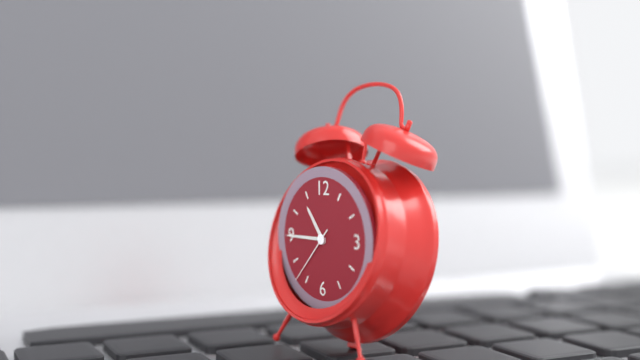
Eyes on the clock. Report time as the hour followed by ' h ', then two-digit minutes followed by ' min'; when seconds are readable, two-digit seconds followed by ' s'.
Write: 10 h 45 min 37 s
